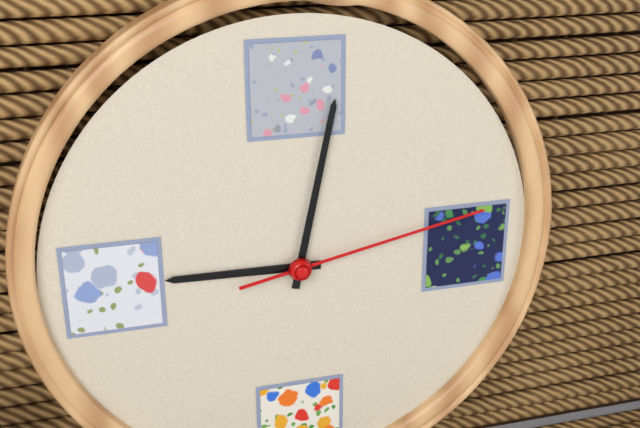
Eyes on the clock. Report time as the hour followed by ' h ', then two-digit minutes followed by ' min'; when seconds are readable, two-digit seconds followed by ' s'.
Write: 9 h 02 min 13 s
